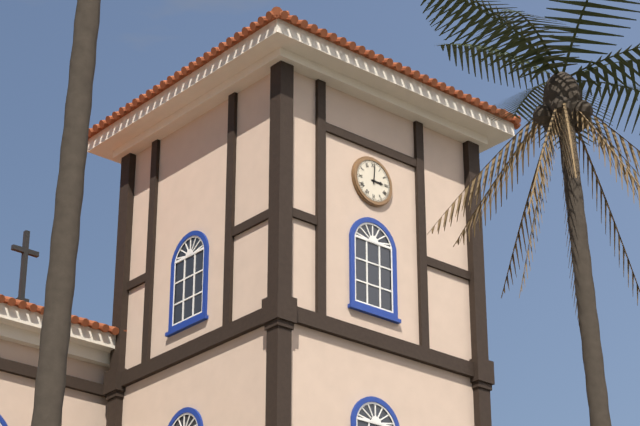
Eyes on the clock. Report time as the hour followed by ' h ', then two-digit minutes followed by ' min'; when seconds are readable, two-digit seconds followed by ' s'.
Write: 3 h 01 min
